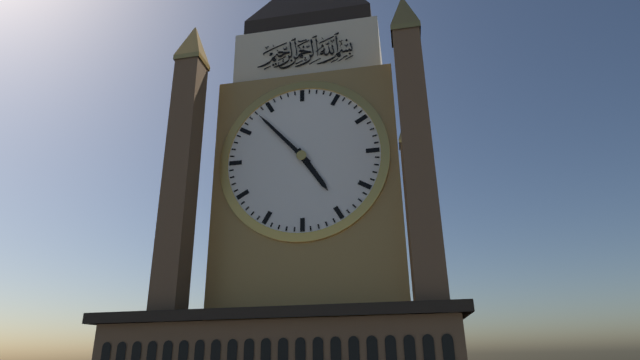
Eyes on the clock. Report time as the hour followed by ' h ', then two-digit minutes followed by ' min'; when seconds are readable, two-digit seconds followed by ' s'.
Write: 4 h 53 min
